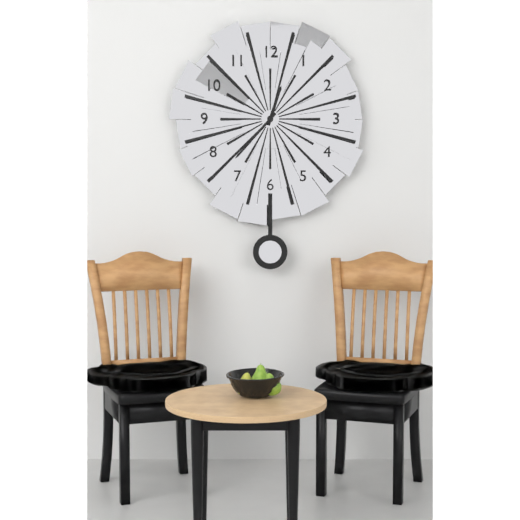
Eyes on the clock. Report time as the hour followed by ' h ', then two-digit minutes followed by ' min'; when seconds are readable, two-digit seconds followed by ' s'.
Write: 12 h 37 min
